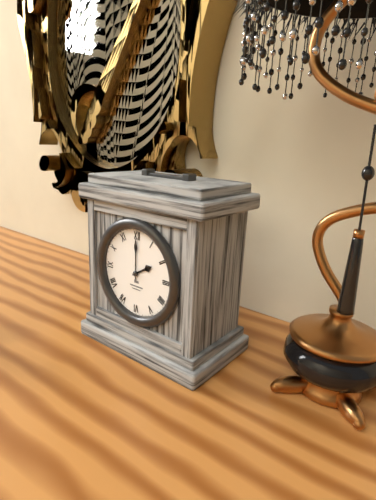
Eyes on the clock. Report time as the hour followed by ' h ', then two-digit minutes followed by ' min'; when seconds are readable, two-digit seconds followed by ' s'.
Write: 2 h 00 min
